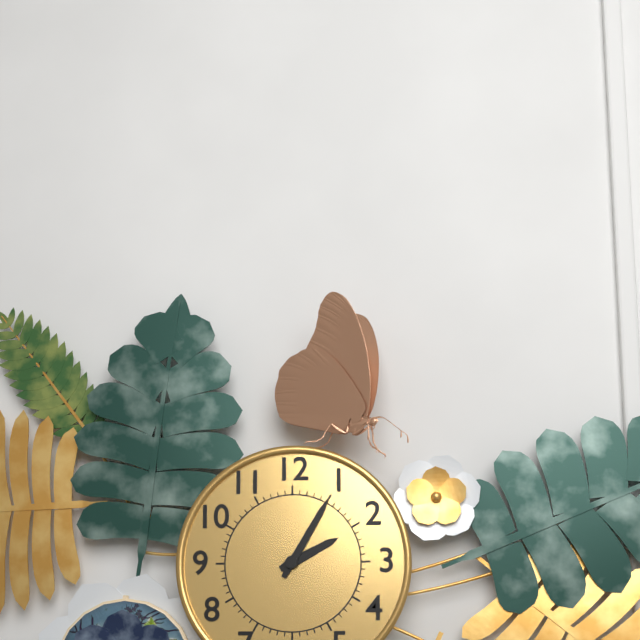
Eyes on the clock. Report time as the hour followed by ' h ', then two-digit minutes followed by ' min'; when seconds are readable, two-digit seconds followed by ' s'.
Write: 2 h 05 min
